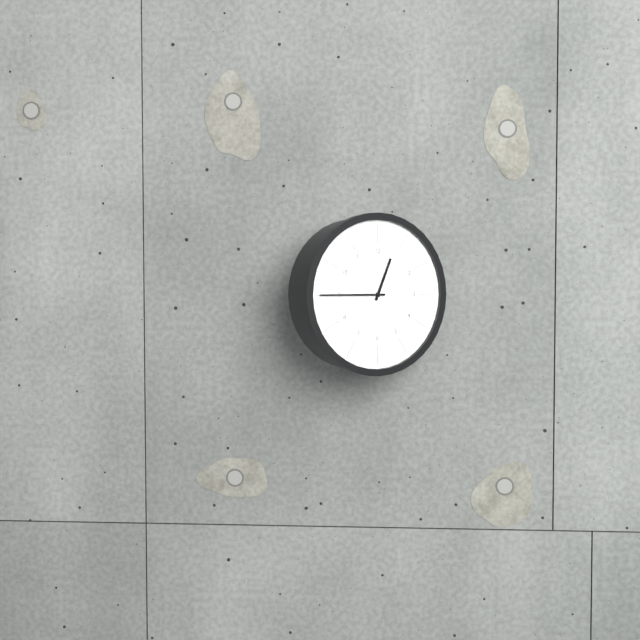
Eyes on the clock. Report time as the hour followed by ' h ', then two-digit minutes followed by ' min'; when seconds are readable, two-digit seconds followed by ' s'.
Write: 12 h 45 min
